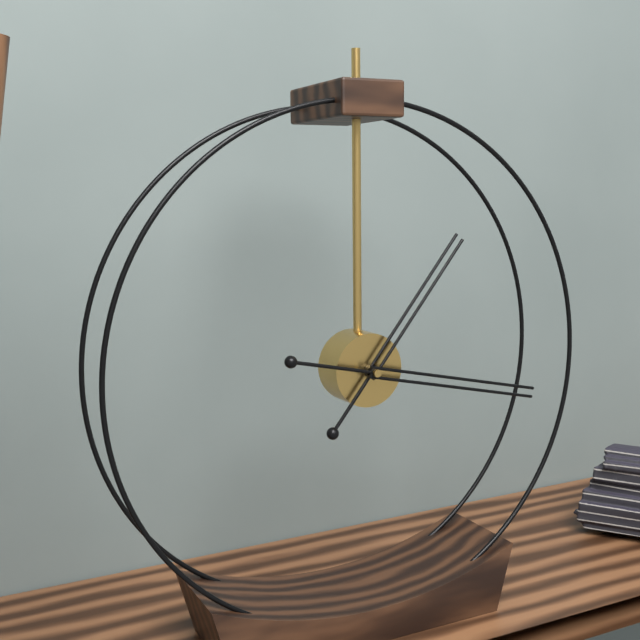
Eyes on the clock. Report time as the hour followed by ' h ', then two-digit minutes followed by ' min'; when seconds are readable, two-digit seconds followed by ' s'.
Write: 1 h 17 min
